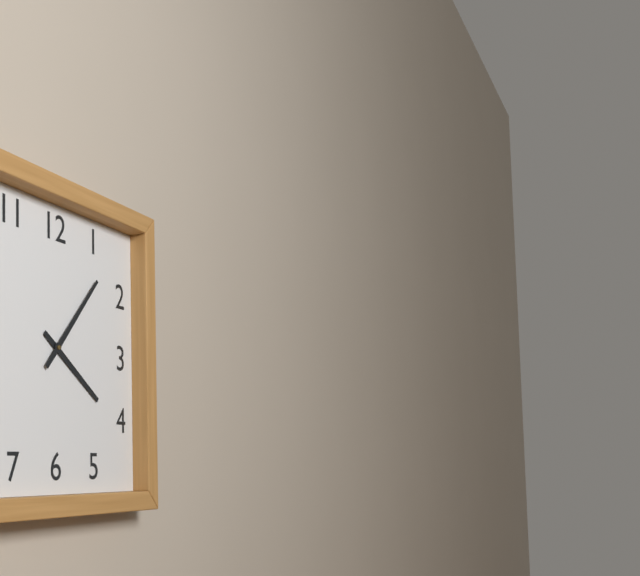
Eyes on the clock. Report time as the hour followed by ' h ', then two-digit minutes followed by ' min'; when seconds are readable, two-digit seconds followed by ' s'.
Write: 4 h 07 min
